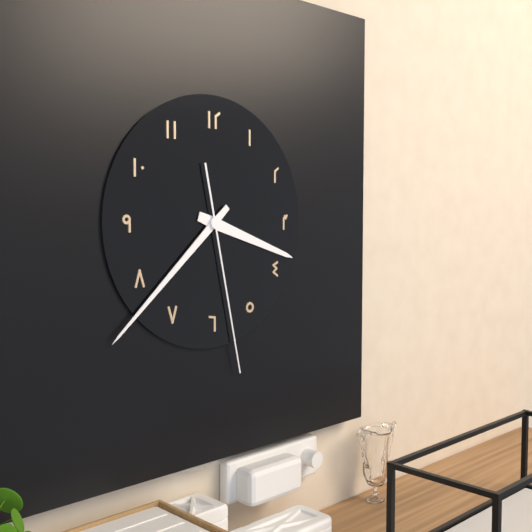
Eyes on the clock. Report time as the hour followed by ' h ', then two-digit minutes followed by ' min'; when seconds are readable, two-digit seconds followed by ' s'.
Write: 3 h 38 min 28 s
